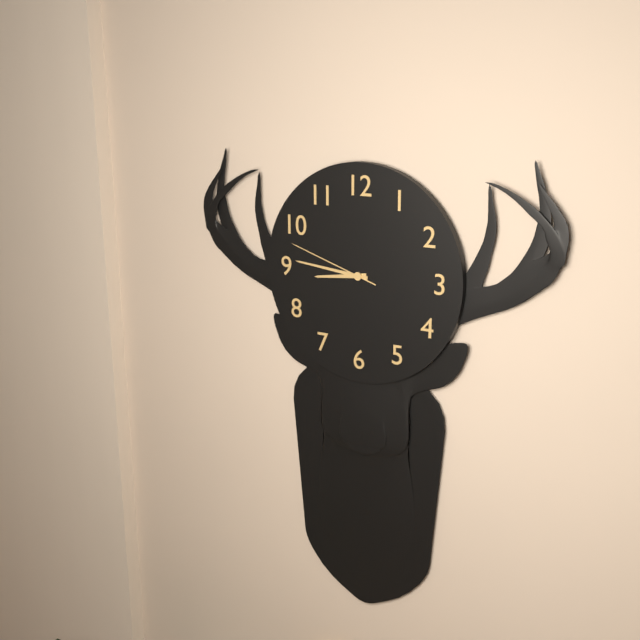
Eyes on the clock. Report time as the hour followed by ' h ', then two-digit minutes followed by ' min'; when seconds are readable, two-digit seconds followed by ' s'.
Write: 8 h 46 min 48 s
